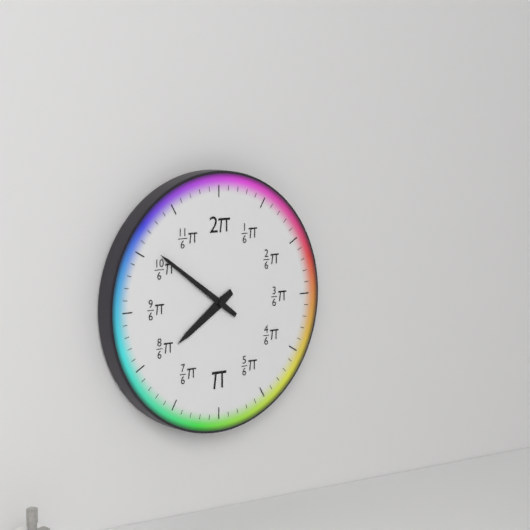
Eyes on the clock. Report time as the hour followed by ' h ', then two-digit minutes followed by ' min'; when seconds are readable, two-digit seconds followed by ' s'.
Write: 7 h 51 min
